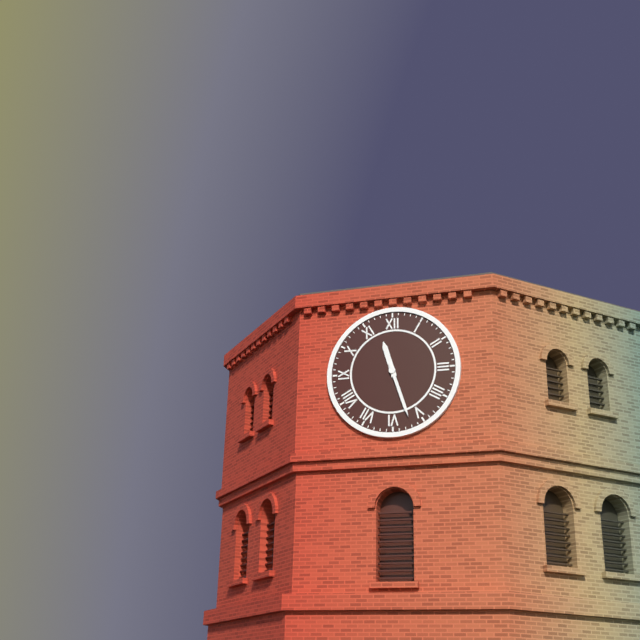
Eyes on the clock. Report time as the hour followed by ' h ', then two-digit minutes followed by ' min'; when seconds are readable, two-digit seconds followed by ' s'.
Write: 11 h 27 min
